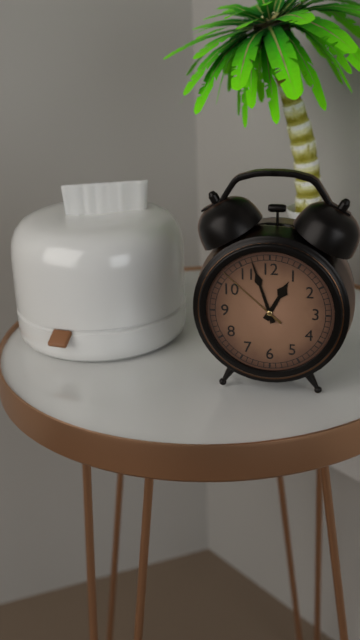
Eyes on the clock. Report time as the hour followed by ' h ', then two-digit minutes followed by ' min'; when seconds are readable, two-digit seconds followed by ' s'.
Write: 12 h 57 min 52 s
